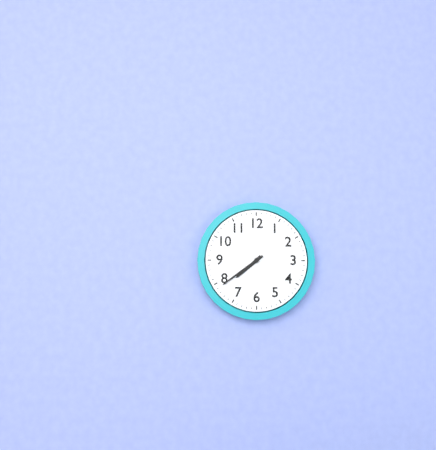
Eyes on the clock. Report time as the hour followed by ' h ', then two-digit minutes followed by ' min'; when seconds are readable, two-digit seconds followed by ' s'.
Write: 7 h 39 min
